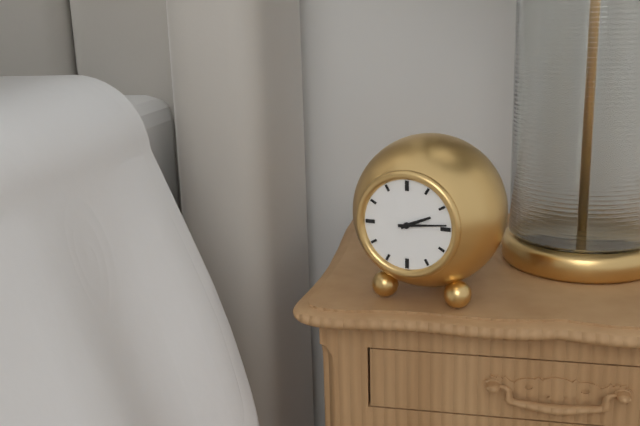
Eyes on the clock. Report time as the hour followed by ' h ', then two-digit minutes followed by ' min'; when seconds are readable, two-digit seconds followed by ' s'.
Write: 2 h 14 min
